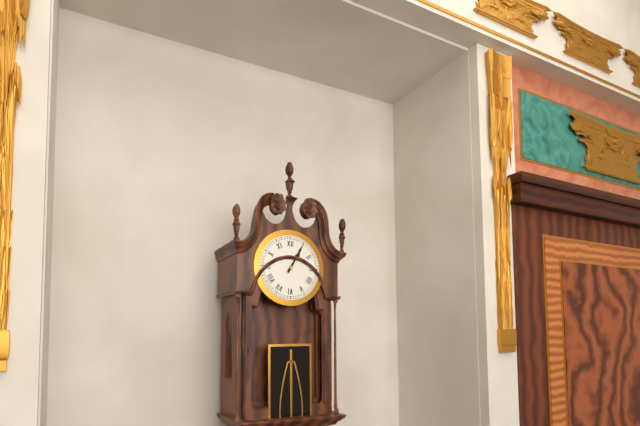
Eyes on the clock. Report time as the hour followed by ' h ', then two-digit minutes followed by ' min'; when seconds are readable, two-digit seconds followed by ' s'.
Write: 1 h 05 min
